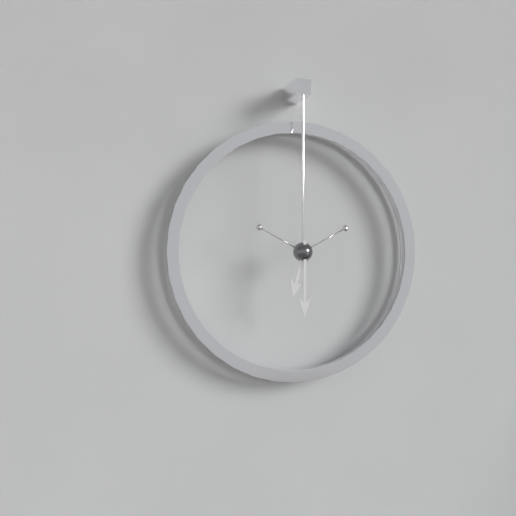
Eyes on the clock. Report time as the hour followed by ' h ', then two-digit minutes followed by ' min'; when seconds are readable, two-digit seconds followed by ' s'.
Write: 6 h 30 min
